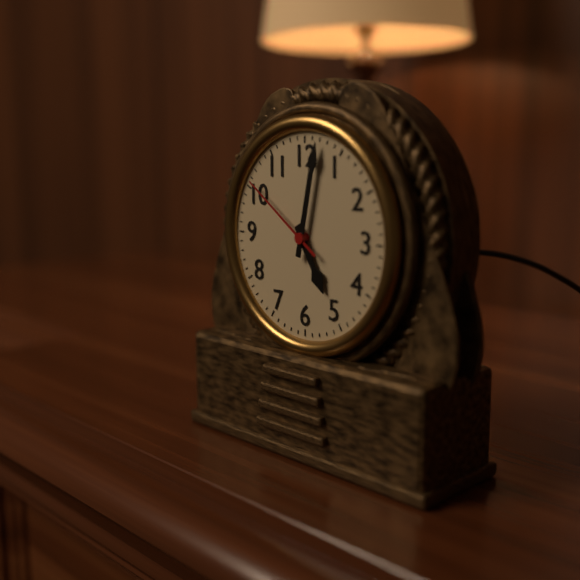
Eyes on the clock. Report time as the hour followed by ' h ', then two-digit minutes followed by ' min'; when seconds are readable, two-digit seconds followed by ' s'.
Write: 5 h 02 min 51 s
